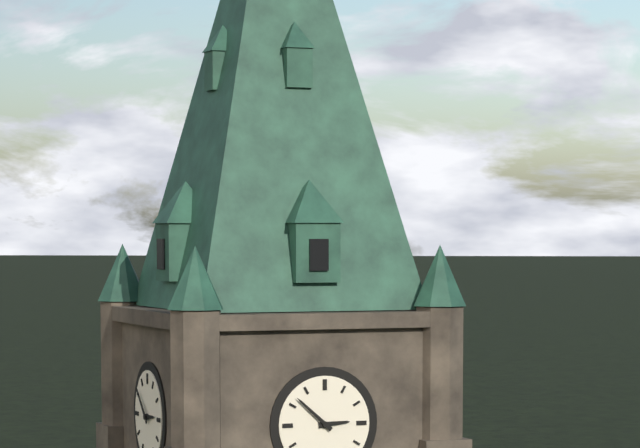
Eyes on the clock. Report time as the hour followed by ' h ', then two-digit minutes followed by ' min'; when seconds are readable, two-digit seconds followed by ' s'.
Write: 2 h 52 min
